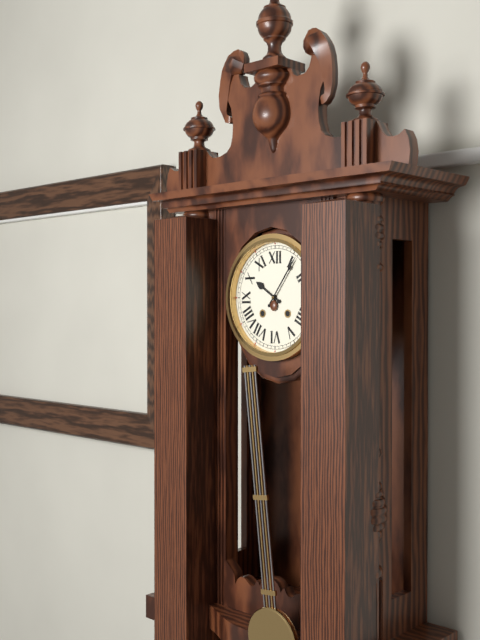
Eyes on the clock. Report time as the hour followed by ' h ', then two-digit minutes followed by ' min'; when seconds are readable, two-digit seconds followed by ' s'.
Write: 10 h 06 min
